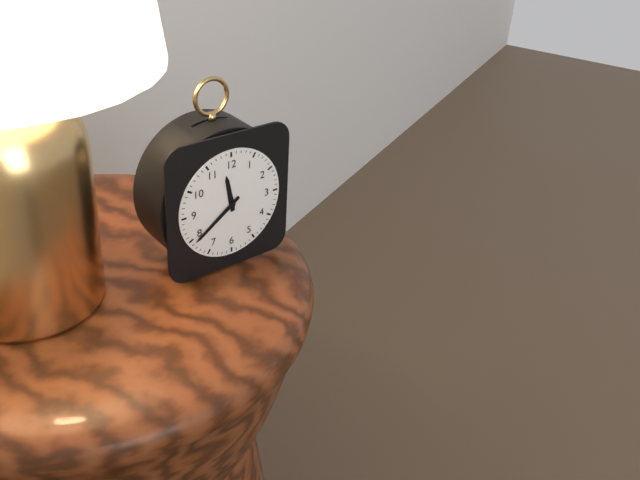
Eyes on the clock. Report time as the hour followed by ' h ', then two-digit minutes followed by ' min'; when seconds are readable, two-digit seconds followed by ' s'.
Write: 11 h 39 min
